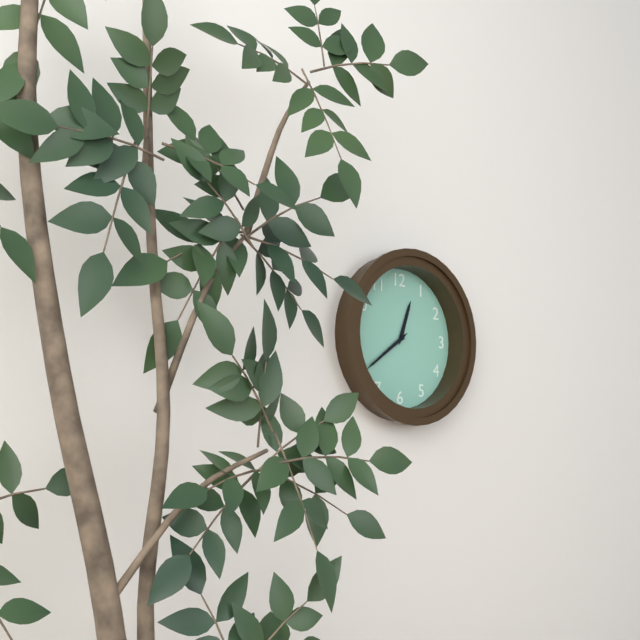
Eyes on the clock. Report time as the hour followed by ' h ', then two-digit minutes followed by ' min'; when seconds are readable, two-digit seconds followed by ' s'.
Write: 12 h 39 min
